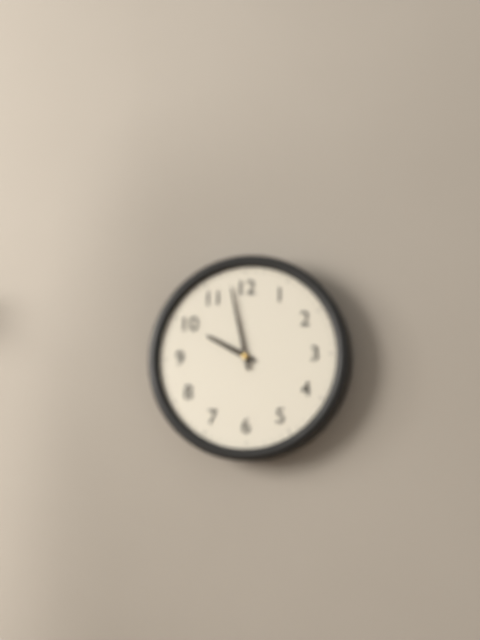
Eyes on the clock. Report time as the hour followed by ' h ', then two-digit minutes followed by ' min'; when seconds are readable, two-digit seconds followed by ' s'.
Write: 9 h 58 min
